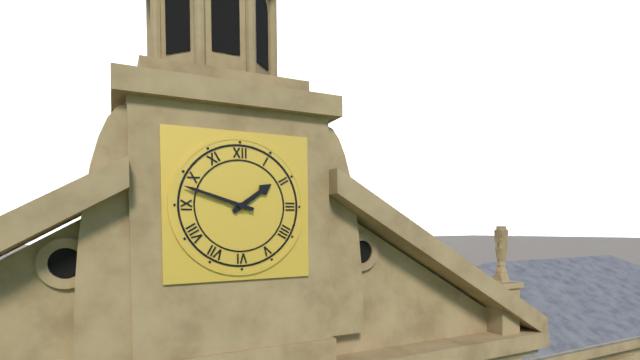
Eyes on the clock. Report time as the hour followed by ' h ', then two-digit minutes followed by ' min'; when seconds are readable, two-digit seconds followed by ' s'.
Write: 1 h 48 min
